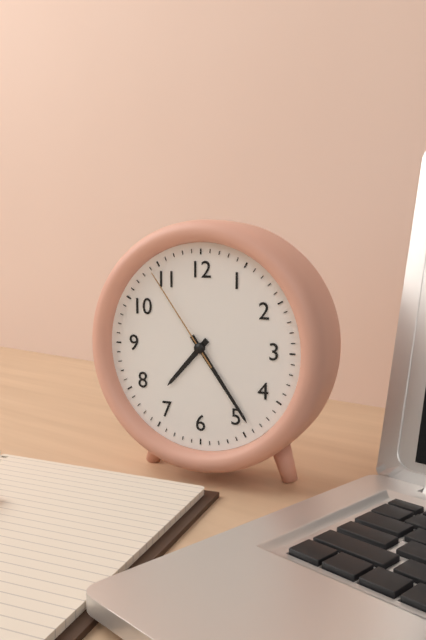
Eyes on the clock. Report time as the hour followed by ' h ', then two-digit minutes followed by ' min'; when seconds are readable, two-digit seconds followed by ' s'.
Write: 7 h 24 min 54 s
